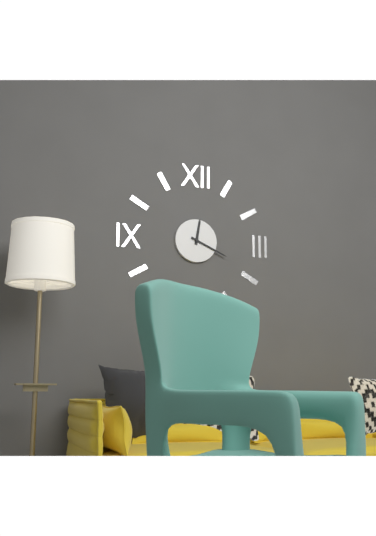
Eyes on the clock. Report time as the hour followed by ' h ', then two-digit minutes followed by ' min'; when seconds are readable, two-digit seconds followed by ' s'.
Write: 12 h 19 min
